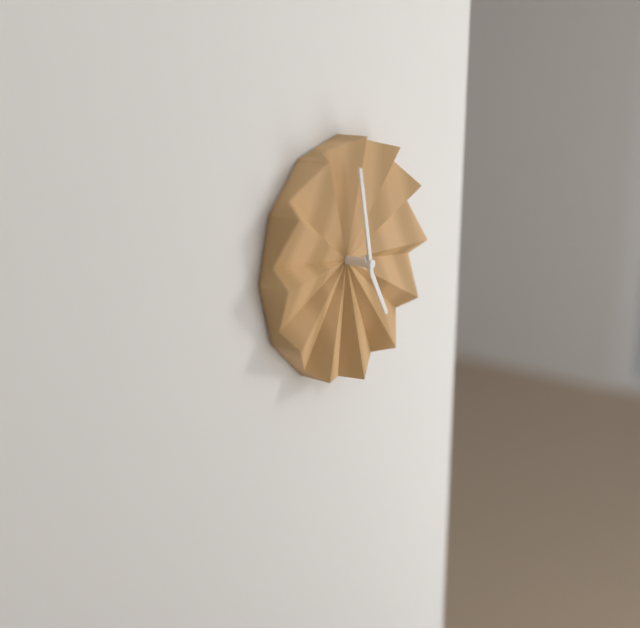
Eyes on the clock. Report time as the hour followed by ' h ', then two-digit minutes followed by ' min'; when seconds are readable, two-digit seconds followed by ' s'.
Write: 4 h 58 min
